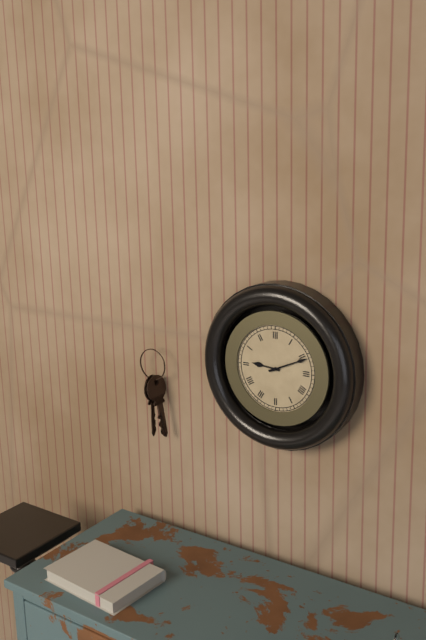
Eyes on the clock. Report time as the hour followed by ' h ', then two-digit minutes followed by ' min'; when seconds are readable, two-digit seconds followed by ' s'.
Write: 9 h 11 min
